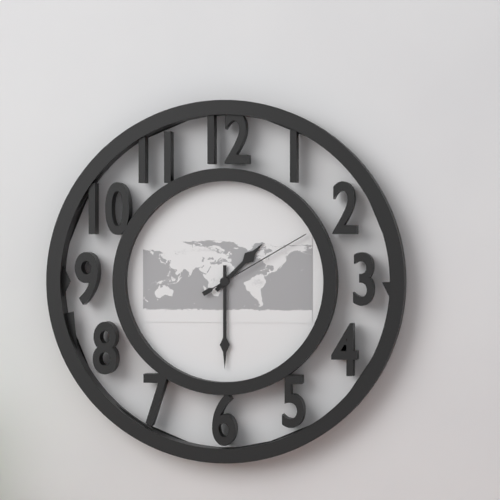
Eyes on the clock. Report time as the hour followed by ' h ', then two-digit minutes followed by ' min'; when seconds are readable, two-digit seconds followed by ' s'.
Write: 1 h 30 min 10 s
